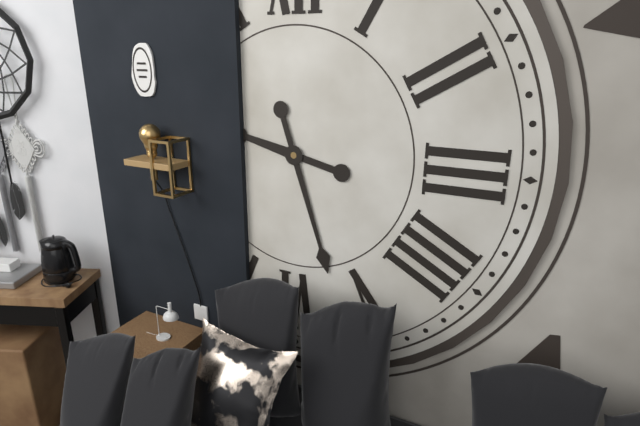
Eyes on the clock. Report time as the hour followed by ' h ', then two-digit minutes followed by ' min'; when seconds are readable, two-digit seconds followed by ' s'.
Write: 9 h 27 min
